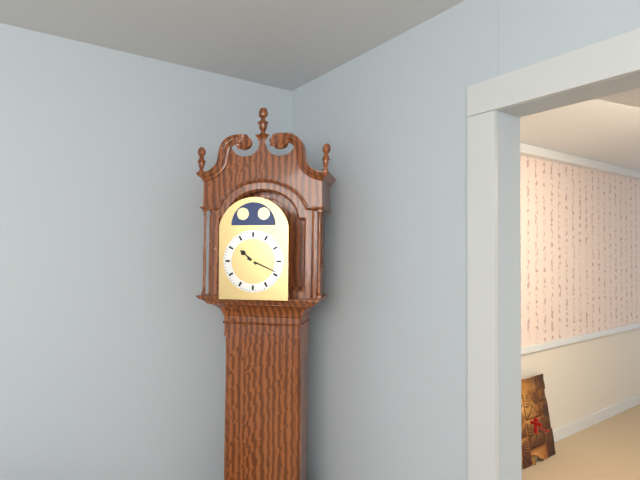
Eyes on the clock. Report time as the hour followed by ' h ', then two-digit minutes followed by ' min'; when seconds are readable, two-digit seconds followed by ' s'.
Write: 10 h 19 min
